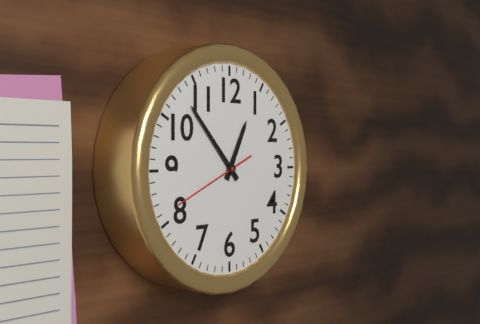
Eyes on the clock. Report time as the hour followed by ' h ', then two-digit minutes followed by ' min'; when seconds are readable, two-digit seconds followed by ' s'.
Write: 12 h 53 min 41 s
